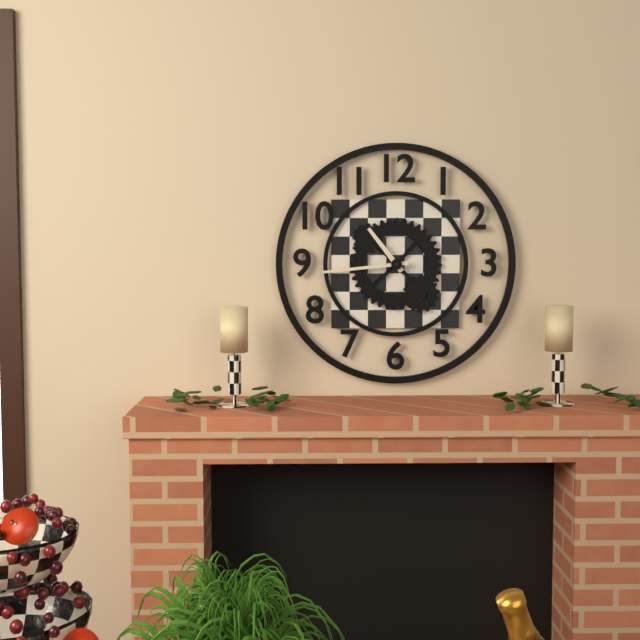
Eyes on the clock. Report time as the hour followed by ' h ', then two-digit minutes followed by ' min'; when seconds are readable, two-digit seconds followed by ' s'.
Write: 10 h 44 min
